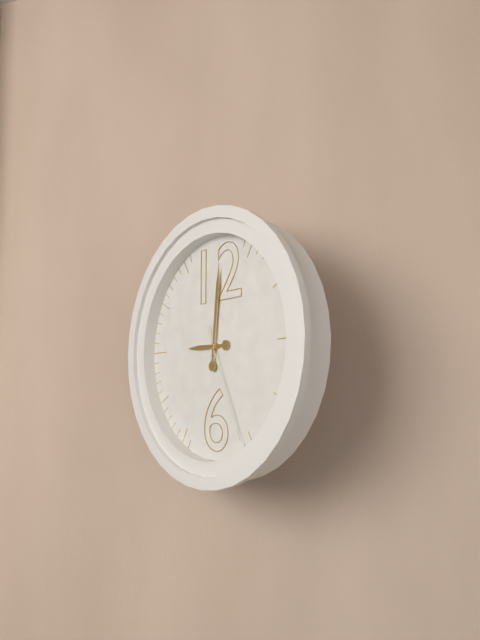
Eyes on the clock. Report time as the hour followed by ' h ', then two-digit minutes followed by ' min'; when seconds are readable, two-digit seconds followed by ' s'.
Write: 9 h 01 min 26 s
